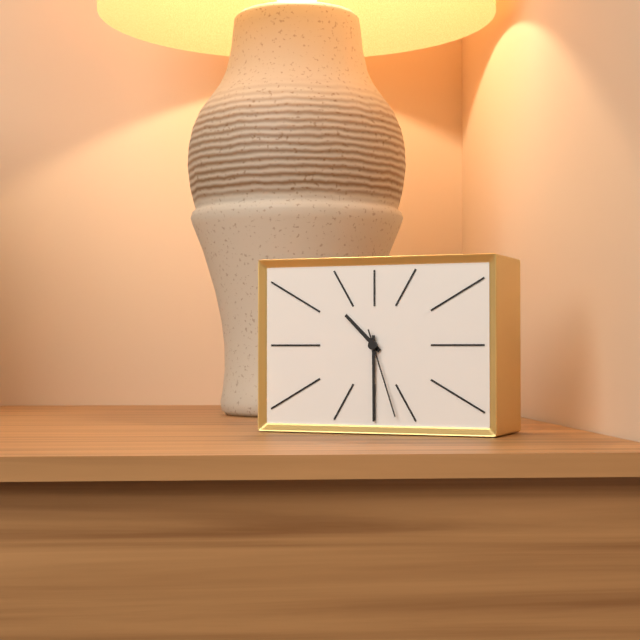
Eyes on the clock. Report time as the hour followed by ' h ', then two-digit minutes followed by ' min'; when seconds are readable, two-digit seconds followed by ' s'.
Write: 10 h 30 min 27 s
